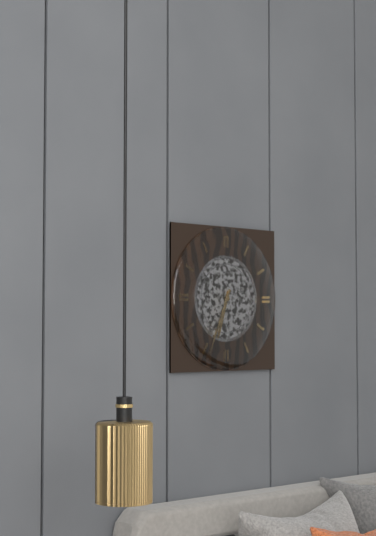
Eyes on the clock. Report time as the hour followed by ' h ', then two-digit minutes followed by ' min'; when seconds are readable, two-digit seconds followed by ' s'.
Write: 6 h 34 min
